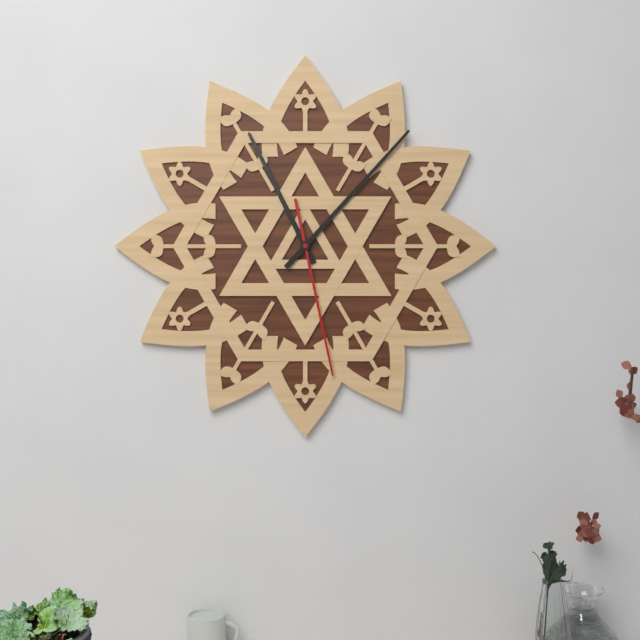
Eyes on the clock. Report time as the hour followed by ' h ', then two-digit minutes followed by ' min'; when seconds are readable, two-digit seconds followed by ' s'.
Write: 11 h 07 min 28 s
